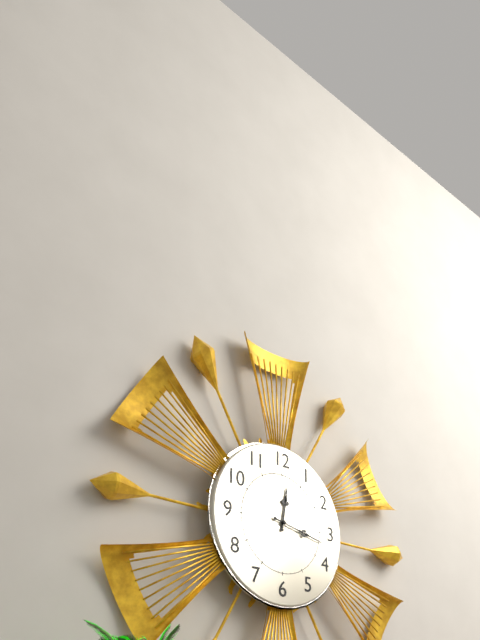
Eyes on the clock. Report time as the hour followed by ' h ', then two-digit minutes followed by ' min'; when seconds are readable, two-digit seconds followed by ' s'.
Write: 12 h 17 min
